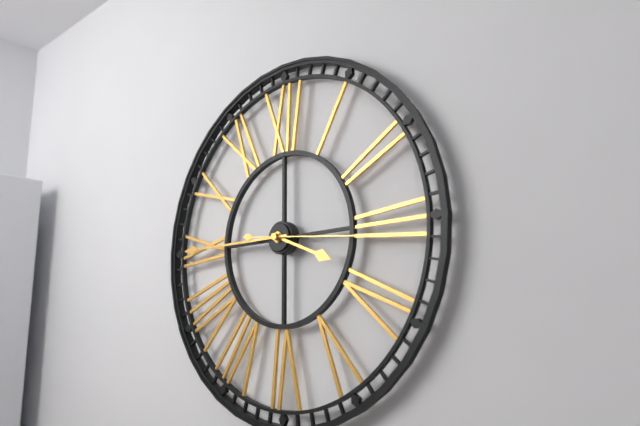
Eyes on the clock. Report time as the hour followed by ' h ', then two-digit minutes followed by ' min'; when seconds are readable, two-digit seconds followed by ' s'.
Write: 3 h 45 min 16 s
